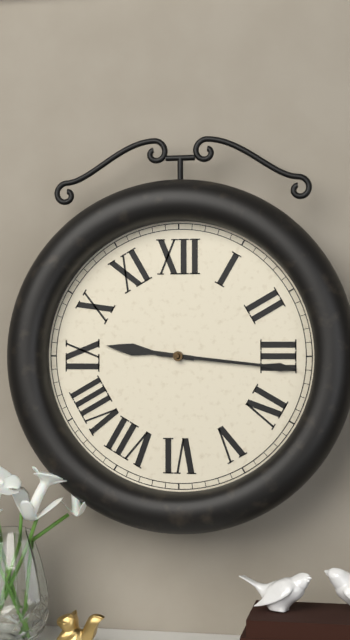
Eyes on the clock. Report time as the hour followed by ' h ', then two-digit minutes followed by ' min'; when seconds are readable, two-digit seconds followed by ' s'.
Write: 9 h 16 min
